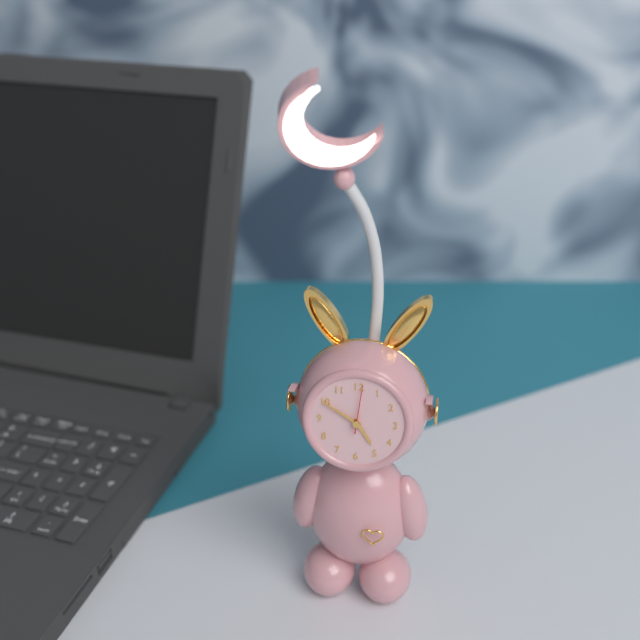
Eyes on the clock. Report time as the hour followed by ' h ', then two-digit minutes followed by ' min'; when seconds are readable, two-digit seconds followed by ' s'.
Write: 4 h 50 min
